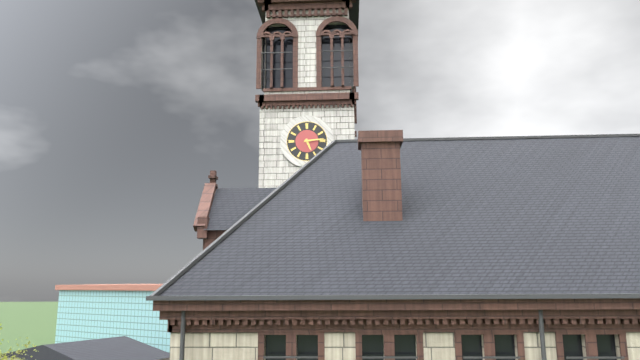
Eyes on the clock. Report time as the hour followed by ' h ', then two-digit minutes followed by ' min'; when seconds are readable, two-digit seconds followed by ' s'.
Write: 5 h 14 min
